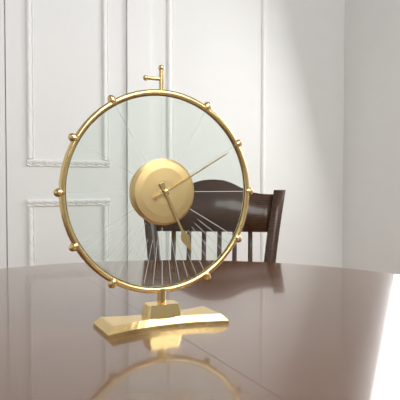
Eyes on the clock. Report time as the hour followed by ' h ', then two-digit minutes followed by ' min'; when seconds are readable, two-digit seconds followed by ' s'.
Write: 5 h 10 min
